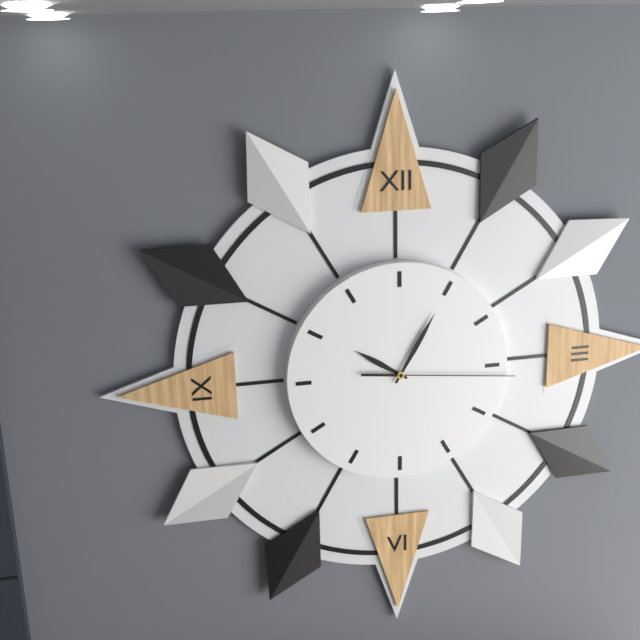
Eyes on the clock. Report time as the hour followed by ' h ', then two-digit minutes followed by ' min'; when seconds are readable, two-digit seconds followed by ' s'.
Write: 10 h 05 min 16 s
